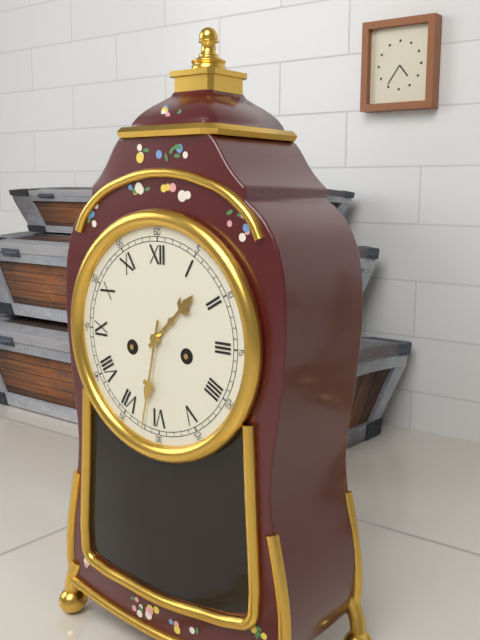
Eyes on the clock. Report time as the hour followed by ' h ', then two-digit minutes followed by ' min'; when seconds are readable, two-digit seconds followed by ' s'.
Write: 1 h 32 min
